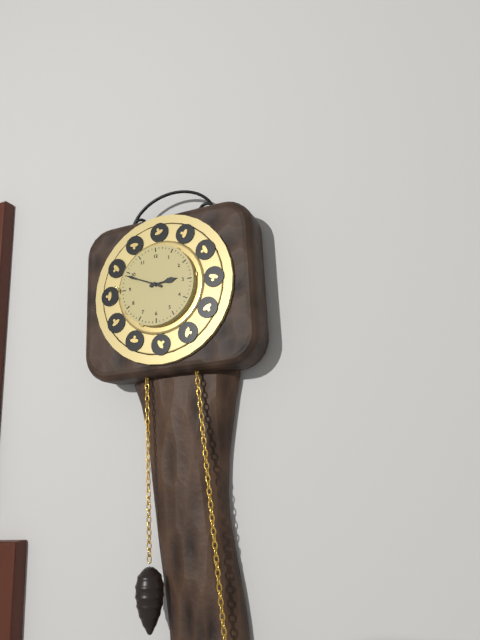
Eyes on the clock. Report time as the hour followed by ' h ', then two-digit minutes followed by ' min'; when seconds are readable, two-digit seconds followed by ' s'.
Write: 2 h 49 min
